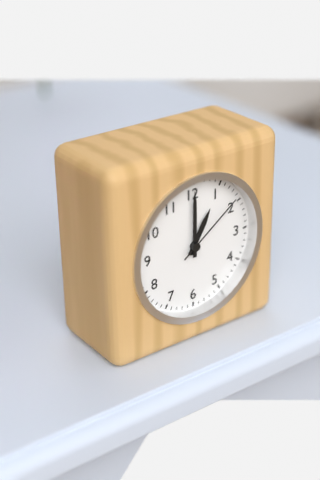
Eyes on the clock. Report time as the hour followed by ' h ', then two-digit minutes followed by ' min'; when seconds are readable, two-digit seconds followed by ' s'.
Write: 1 h 00 min 09 s
